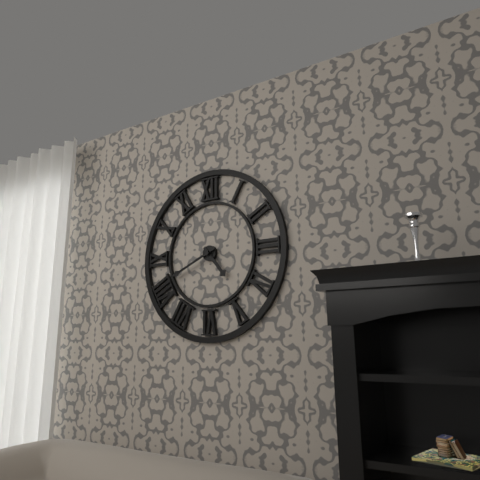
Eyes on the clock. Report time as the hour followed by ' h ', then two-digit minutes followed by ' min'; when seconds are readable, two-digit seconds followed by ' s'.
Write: 4 h 41 min
